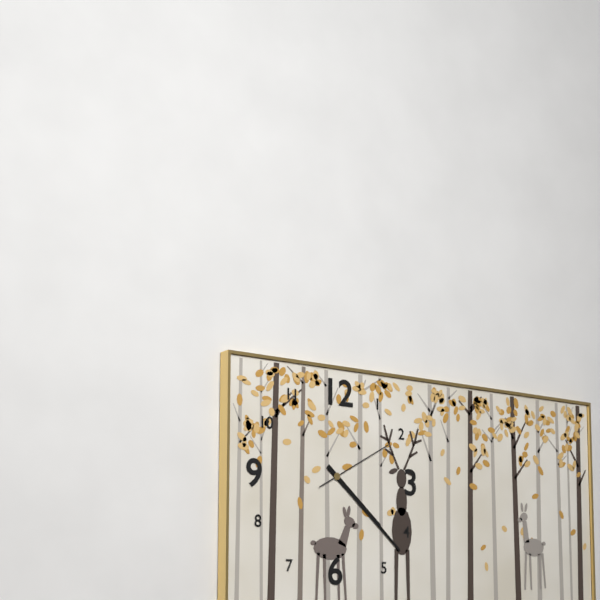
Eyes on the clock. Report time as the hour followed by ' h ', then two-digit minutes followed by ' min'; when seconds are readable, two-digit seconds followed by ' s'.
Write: 4 h 22 min 10 s
